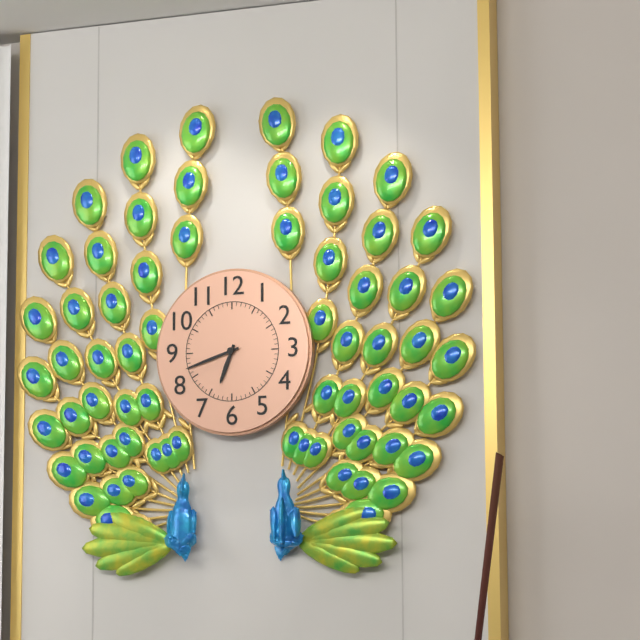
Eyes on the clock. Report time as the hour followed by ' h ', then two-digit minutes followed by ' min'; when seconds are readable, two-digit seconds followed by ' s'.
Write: 6 h 42 min
